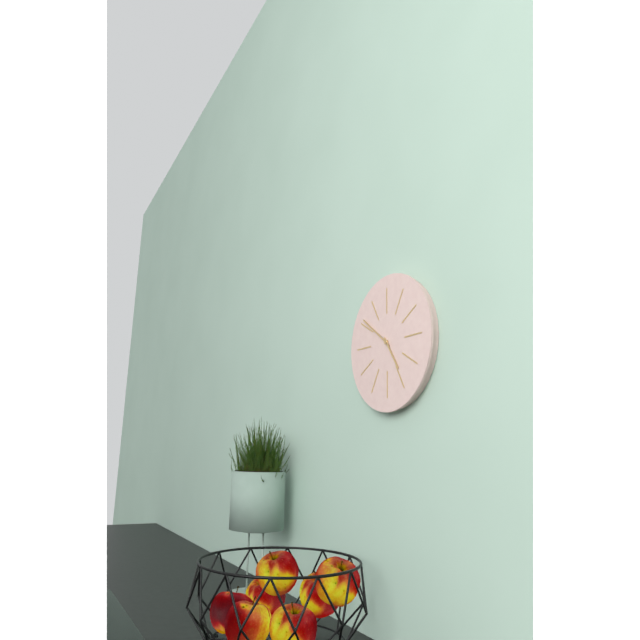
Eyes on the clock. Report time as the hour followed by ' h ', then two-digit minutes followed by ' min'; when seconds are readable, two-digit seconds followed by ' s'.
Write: 4 h 51 min
